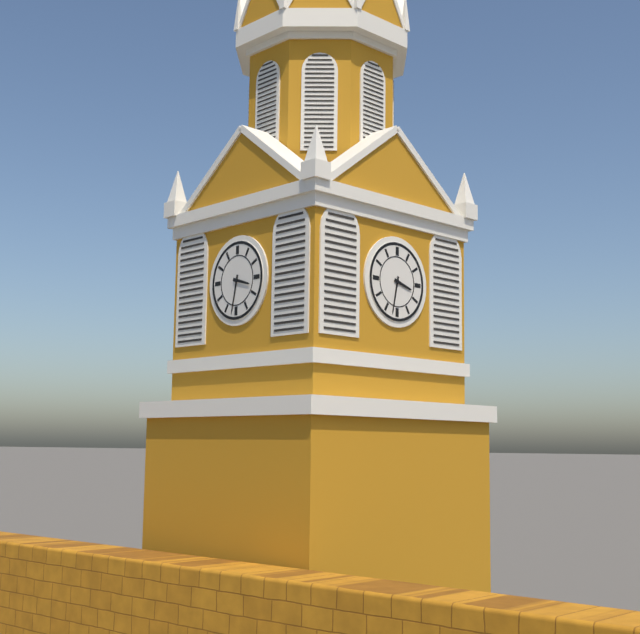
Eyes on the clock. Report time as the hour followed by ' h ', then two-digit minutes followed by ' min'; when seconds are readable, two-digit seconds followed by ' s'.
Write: 3 h 32 min
